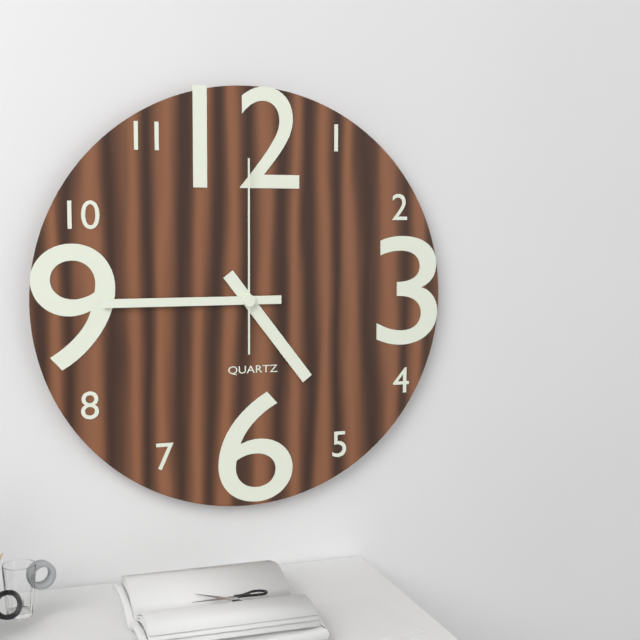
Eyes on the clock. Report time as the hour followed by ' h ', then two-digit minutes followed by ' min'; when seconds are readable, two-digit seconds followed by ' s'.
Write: 4 h 45 min 00 s
